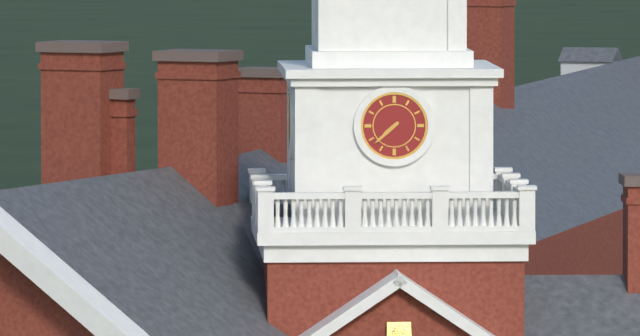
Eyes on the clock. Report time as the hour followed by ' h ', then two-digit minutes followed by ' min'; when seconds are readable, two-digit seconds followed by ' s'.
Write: 7 h 38 min
